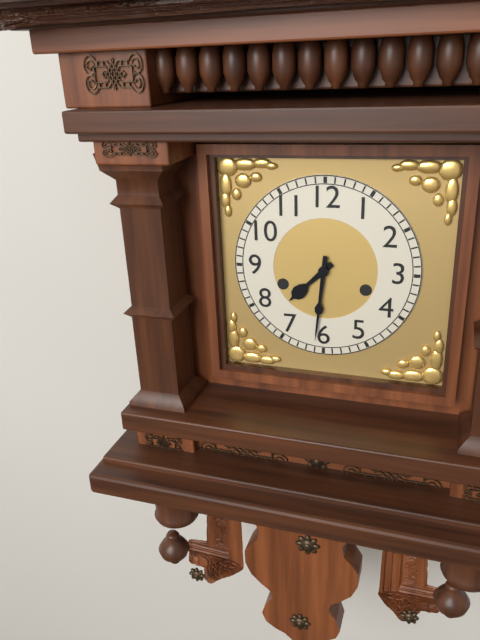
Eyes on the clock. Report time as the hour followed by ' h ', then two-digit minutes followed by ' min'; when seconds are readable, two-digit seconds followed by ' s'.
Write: 7 h 31 min
